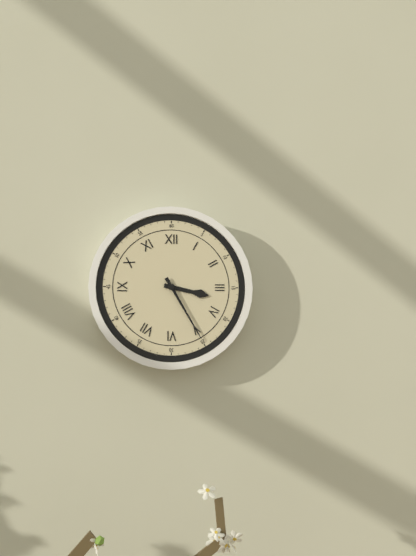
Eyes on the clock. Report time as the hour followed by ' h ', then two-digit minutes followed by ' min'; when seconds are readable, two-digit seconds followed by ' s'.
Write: 3 h 25 min
